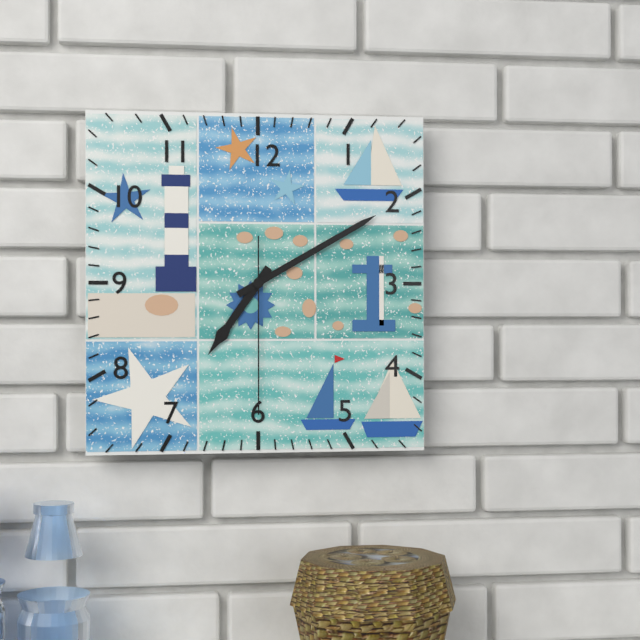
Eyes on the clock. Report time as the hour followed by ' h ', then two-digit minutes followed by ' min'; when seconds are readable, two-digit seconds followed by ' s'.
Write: 7 h 10 min 30 s
